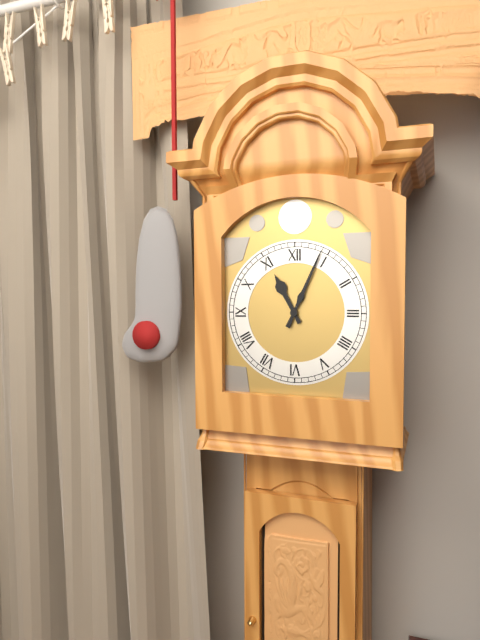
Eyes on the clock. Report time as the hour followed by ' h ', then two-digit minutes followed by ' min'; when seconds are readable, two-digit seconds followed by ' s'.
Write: 11 h 04 min
